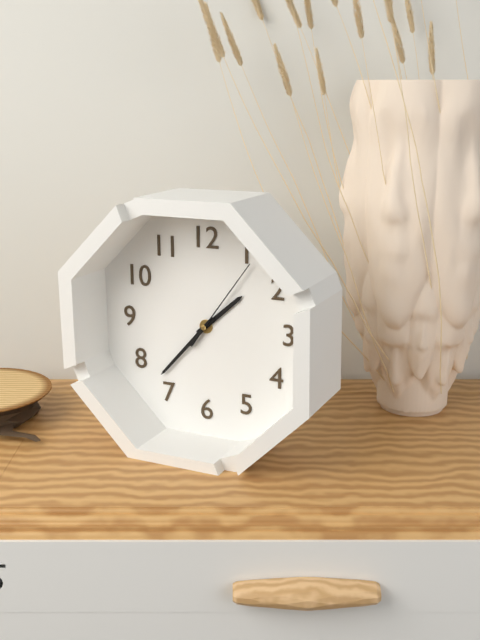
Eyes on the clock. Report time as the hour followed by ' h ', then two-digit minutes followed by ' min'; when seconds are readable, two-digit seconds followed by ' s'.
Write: 1 h 37 min 06 s
